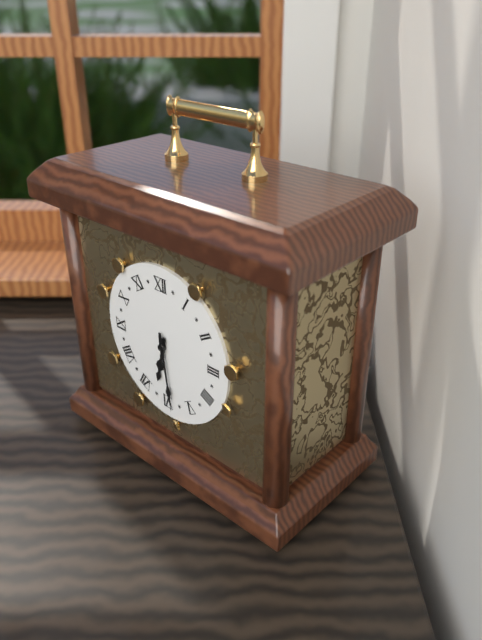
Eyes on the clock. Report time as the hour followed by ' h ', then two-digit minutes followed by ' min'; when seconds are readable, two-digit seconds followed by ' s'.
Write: 6 h 29 min
